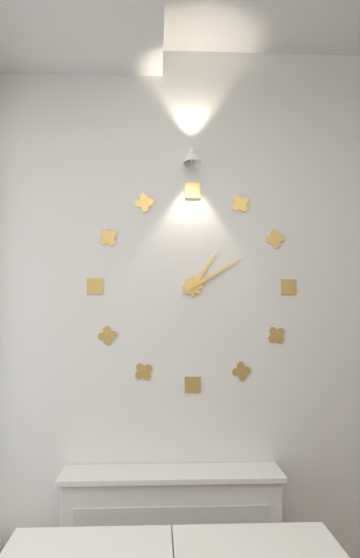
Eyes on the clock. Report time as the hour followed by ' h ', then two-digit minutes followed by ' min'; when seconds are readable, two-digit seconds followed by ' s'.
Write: 1 h 10 min
